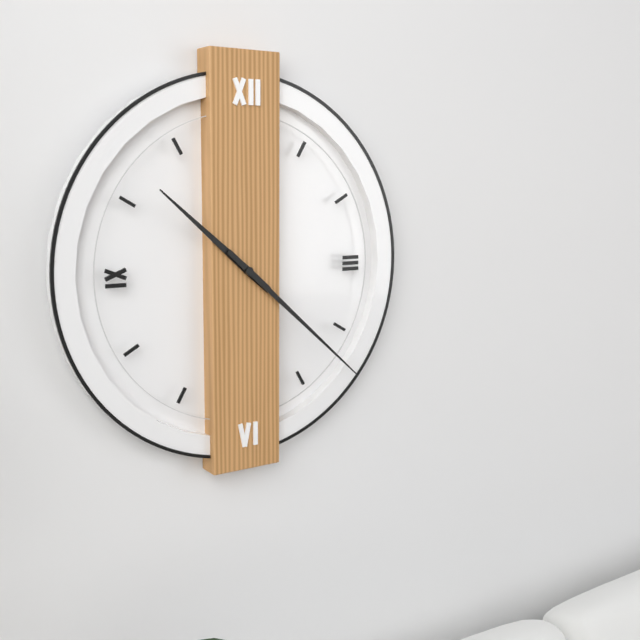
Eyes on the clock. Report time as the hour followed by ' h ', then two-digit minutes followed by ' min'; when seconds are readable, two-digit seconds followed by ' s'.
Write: 10 h 22 min
